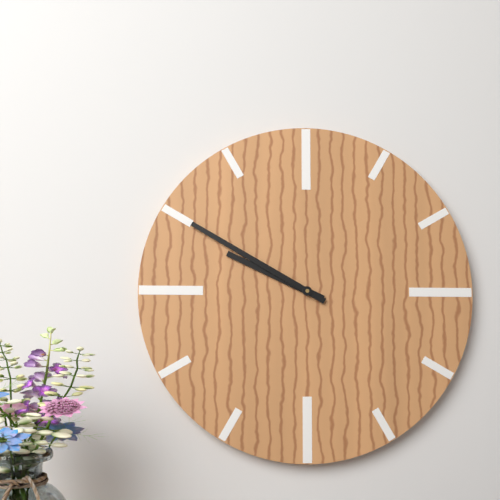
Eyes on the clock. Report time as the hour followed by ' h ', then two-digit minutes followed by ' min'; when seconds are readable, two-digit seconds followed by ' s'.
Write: 9 h 50 min
